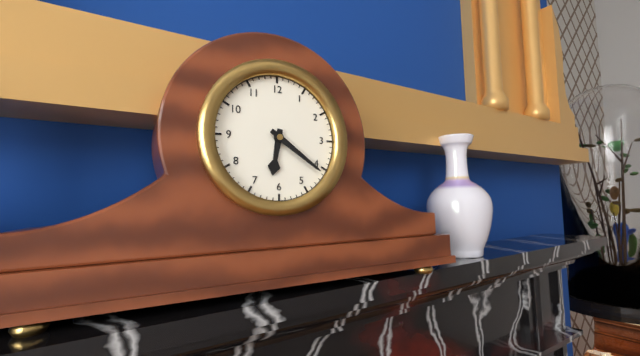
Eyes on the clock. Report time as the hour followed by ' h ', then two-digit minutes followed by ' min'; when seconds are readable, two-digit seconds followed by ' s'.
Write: 6 h 21 min
